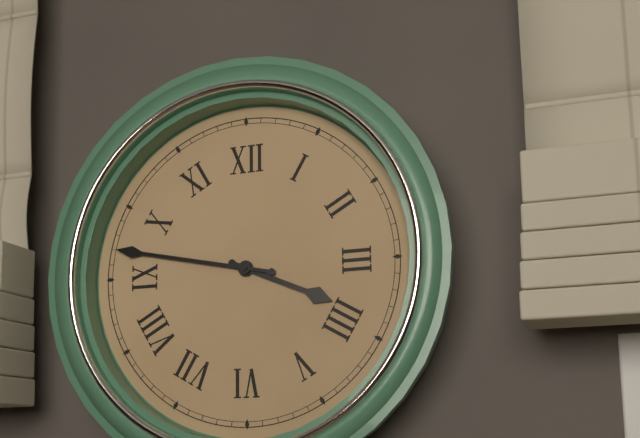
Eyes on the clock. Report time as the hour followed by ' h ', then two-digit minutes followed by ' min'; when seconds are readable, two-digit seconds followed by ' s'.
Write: 3 h 47 min
